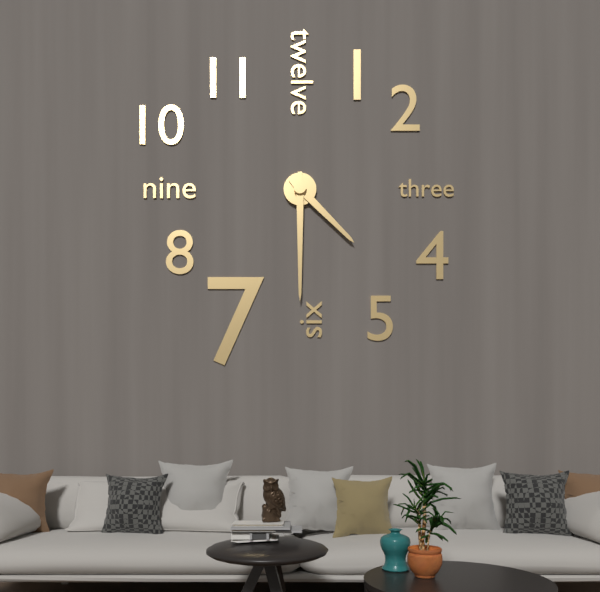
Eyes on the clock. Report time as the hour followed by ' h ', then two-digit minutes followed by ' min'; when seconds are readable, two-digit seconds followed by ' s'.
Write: 4 h 30 min
